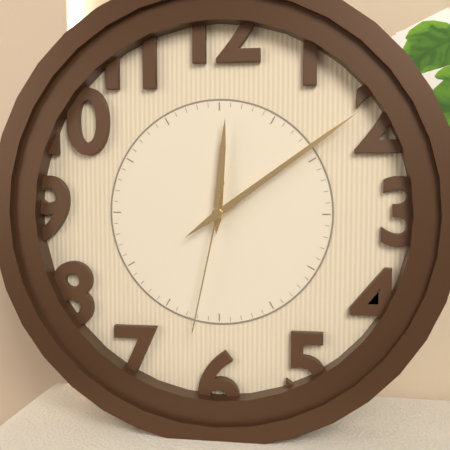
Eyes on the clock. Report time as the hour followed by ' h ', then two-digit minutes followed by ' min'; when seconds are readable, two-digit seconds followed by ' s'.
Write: 12 h 09 min 32 s
